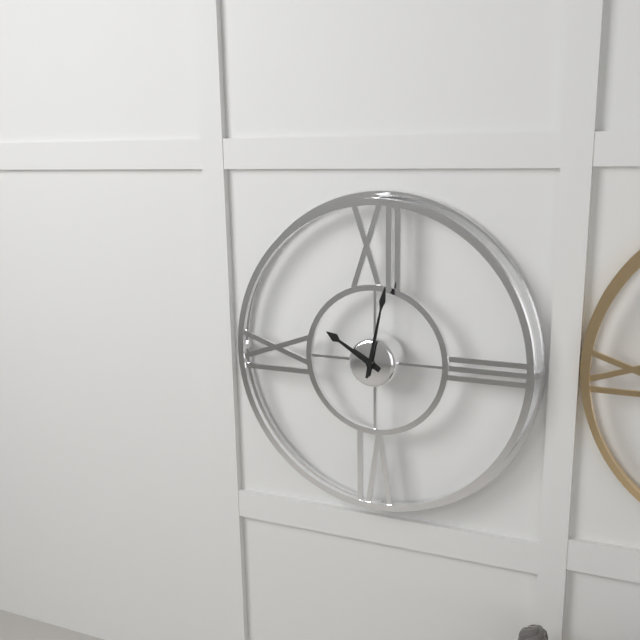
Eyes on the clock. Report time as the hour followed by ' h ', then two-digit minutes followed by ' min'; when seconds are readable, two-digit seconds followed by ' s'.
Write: 10 h 02 min
